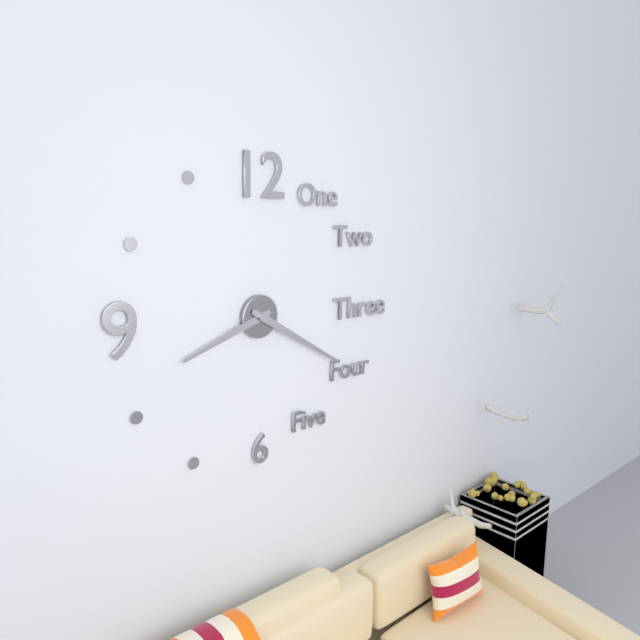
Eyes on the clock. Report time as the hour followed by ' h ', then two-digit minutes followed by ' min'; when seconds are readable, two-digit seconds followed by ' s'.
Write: 8 h 20 min
